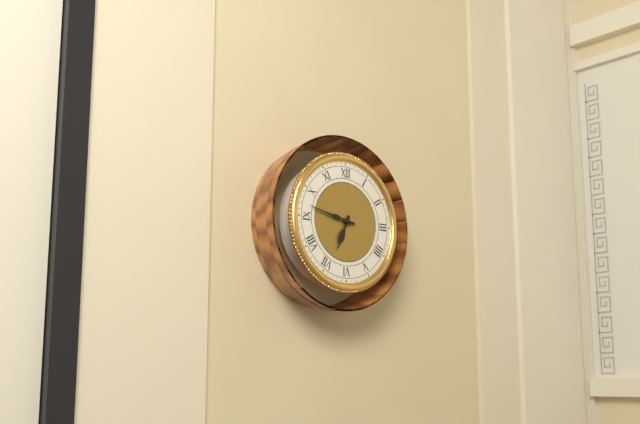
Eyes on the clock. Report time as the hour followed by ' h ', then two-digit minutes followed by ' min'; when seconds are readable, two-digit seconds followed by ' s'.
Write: 6 h 47 min
